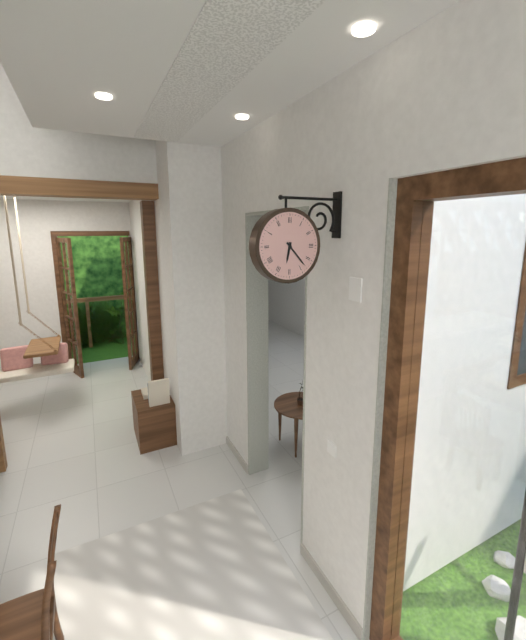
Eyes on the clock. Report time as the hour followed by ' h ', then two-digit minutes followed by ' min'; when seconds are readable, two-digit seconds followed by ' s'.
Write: 6 h 23 min
